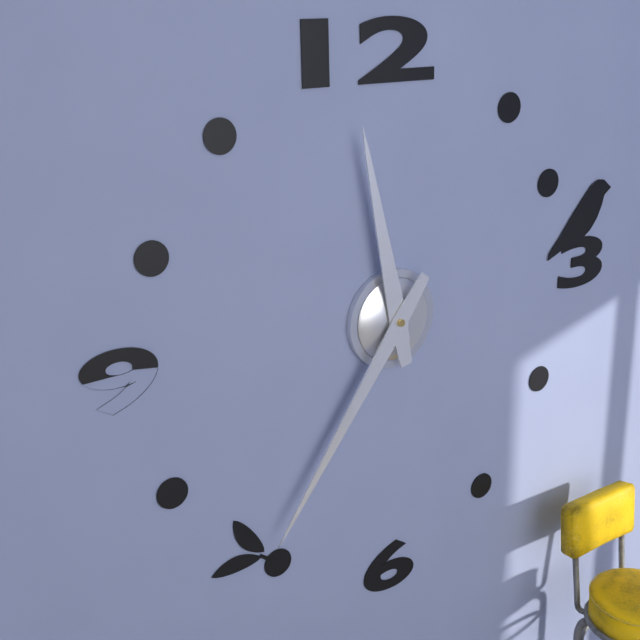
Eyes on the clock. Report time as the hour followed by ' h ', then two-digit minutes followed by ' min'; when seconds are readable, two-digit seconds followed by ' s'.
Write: 11 h 36 min
